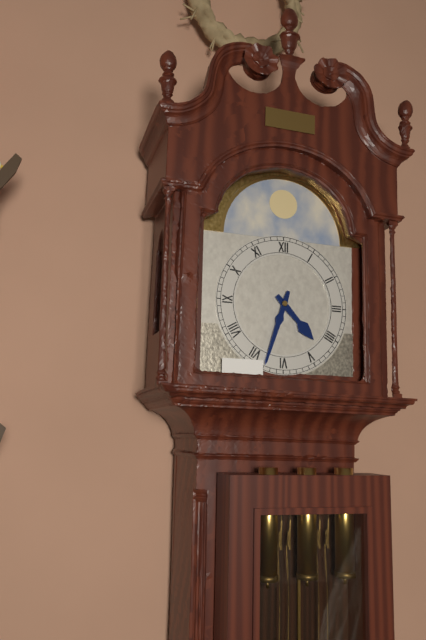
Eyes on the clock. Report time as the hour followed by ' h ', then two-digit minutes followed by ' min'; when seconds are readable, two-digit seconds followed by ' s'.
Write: 4 h 33 min
